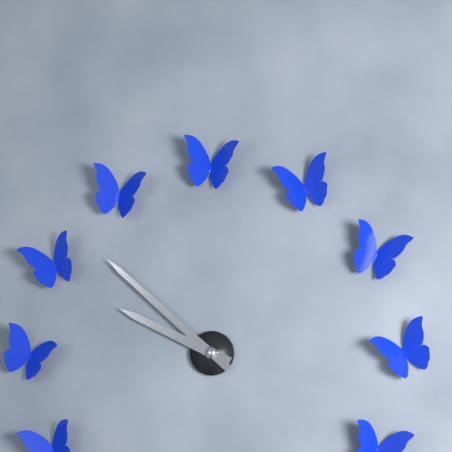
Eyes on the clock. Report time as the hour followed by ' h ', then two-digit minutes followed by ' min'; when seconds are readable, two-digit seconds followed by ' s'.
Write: 9 h 52 min
